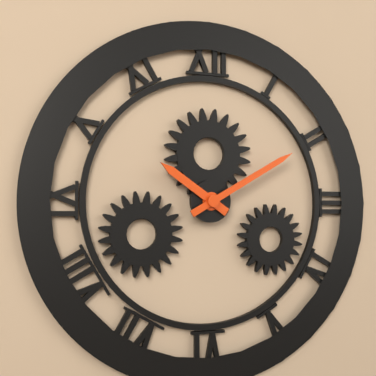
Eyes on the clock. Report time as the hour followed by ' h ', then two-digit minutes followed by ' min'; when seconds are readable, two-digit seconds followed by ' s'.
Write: 10 h 10 min
